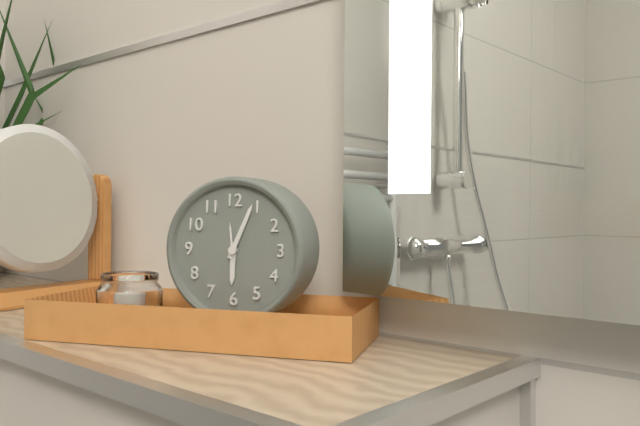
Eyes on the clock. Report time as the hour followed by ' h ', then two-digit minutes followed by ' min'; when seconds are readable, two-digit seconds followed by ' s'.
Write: 6 h 04 min
